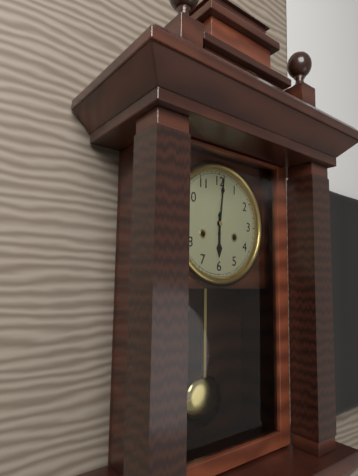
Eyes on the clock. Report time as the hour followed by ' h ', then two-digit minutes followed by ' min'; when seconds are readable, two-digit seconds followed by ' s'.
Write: 6 h 01 min
